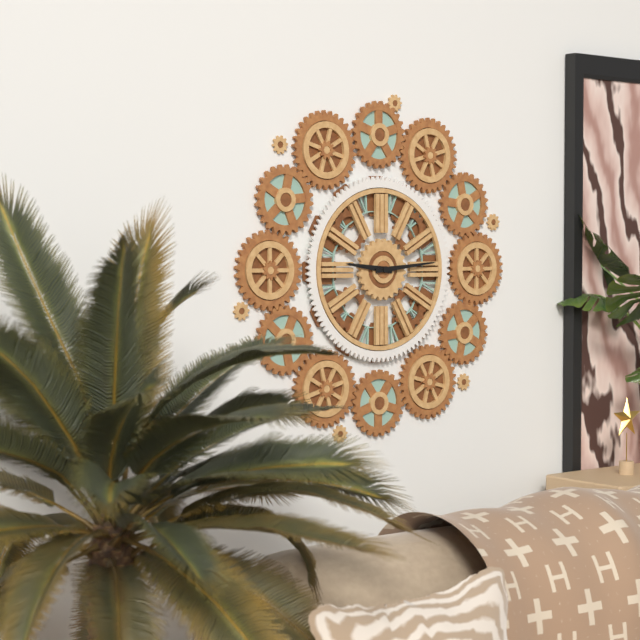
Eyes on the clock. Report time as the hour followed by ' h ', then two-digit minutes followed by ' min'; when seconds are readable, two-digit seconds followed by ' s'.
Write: 9 h 14 min
